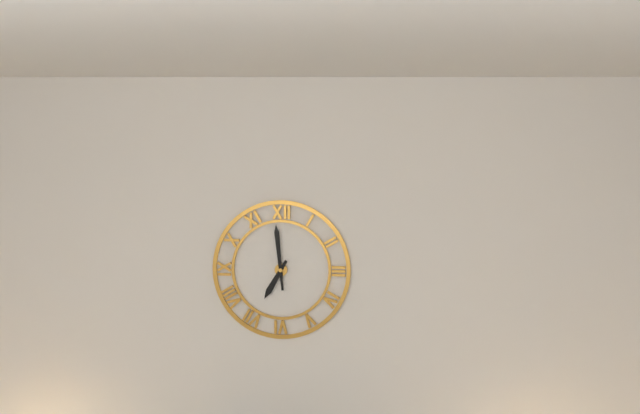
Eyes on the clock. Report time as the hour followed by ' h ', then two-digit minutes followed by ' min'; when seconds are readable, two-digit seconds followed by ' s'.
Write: 6 h 59 min
